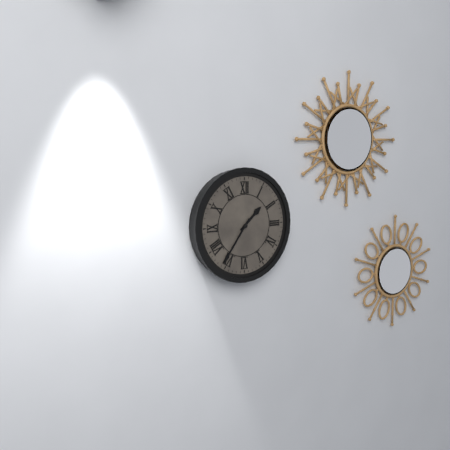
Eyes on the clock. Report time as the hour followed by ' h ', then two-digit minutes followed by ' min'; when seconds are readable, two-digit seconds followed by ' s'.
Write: 1 h 36 min
